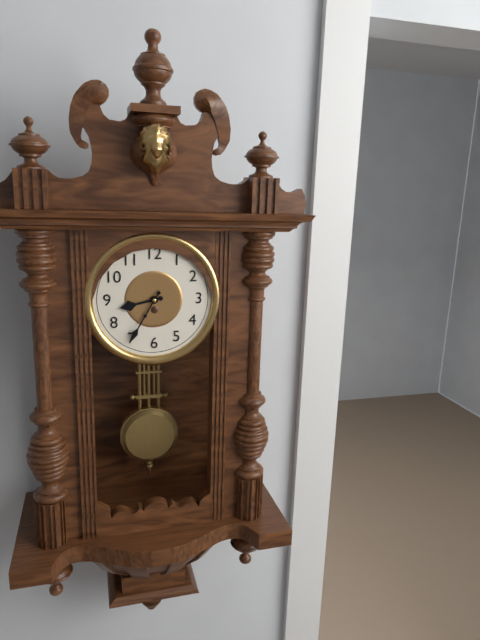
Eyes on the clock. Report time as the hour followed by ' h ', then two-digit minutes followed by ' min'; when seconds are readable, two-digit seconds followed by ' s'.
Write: 8 h 35 min
